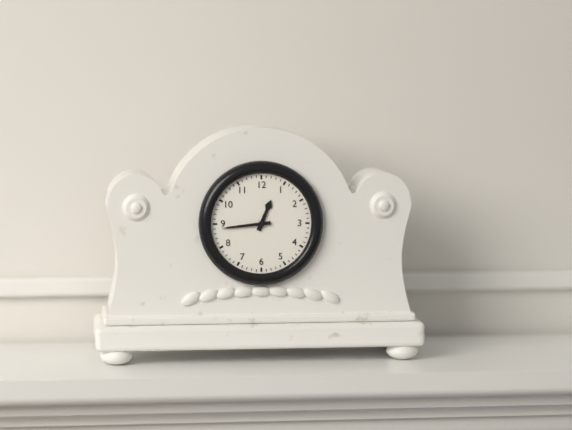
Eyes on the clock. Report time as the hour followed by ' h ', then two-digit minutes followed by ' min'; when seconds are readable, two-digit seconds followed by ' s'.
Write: 12 h 44 min
